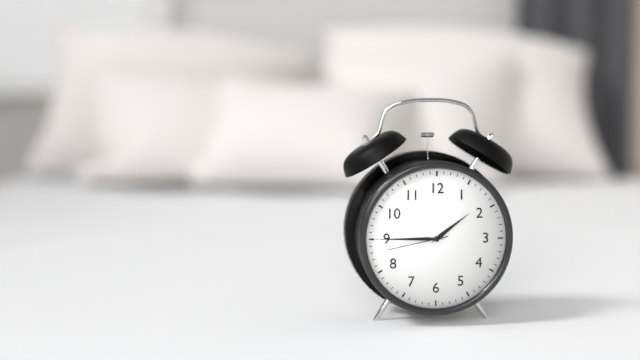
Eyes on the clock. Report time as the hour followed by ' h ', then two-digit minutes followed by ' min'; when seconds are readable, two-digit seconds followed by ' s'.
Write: 1 h 45 min 43 s
